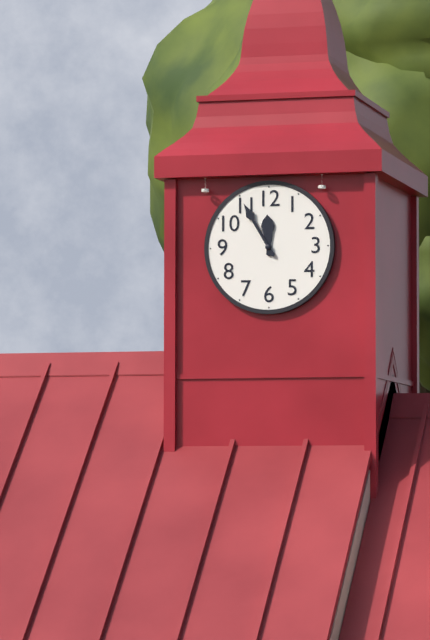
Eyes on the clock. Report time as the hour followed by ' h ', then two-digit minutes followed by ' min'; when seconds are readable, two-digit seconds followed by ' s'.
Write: 11 h 55 min
